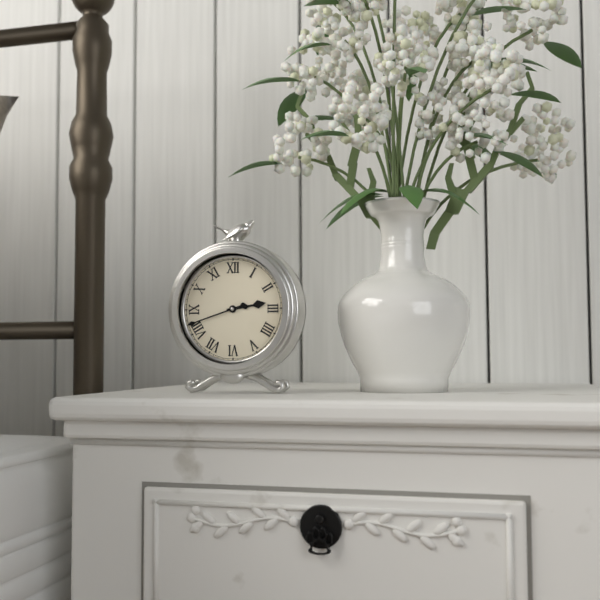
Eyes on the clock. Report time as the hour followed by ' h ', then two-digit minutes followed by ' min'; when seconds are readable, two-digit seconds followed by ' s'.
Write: 2 h 42 min
